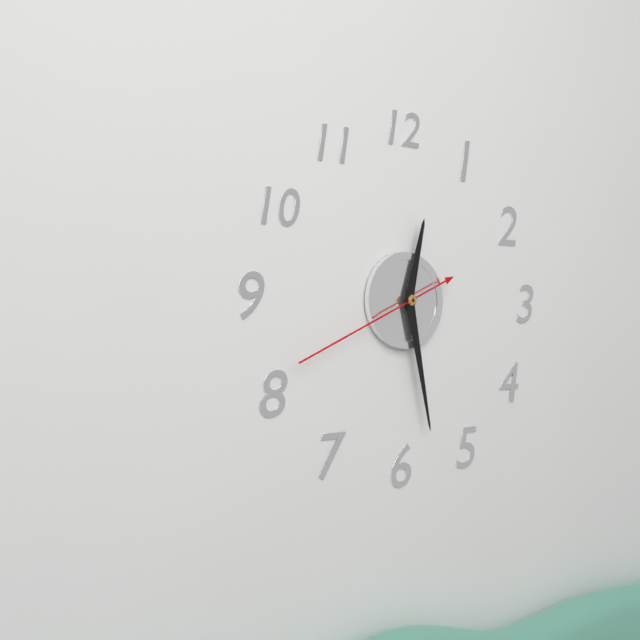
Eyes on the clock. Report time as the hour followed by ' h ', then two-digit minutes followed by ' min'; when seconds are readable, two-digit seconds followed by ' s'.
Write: 12 h 28 min 41 s
